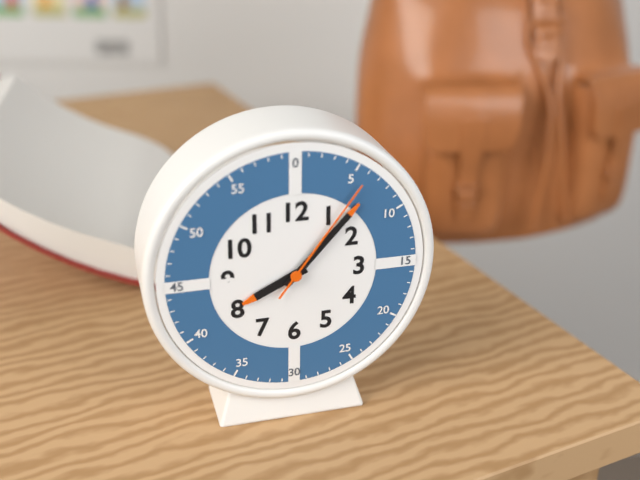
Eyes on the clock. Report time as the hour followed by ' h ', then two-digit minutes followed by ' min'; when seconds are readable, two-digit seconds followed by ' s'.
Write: 8 h 07 min 06 s
